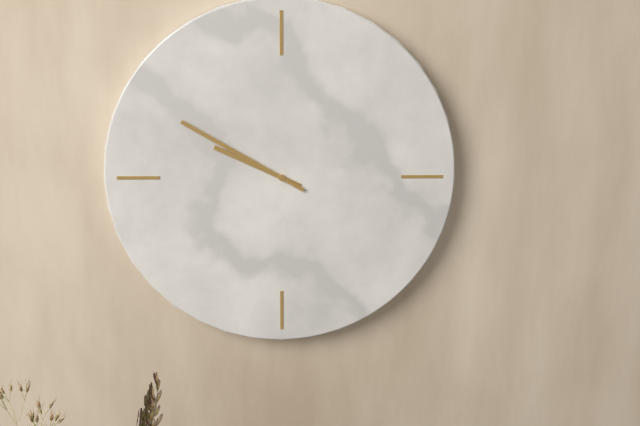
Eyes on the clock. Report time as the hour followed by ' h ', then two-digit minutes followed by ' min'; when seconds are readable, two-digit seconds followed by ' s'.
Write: 9 h 50 min
